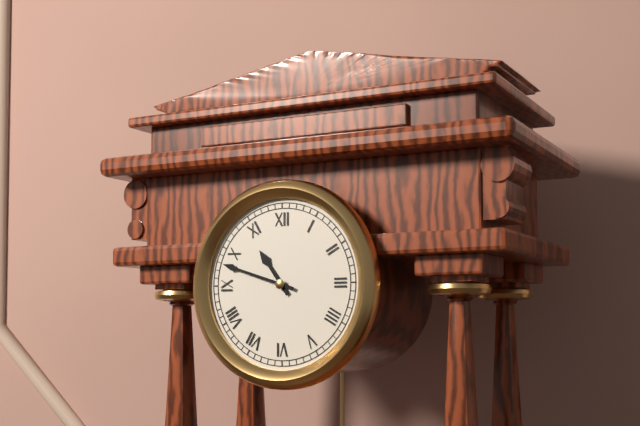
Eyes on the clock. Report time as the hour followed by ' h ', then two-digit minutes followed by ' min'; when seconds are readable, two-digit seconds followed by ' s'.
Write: 10 h 48 min
